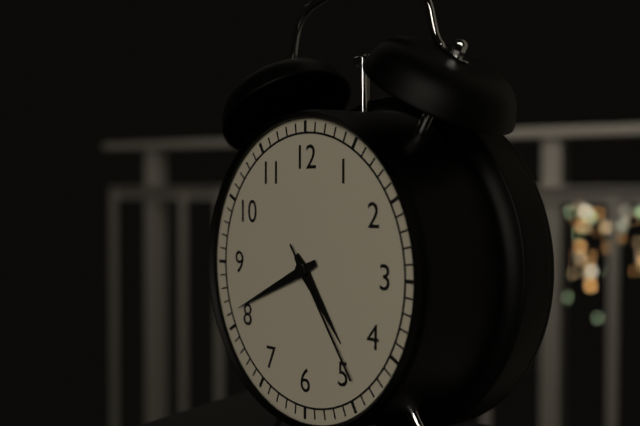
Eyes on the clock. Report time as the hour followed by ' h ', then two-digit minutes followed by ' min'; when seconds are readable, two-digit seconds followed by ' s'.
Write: 4 h 41 min 24 s
